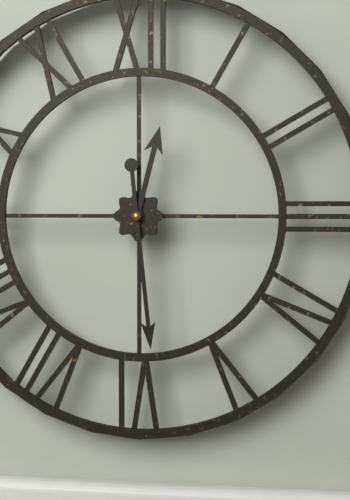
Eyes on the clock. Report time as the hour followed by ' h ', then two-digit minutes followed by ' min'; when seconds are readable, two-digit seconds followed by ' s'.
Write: 12 h 29 min
